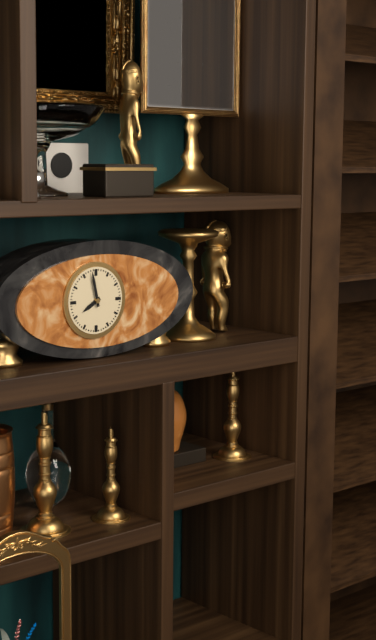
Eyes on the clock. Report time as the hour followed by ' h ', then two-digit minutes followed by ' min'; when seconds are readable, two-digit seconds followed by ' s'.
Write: 7 h 58 min
